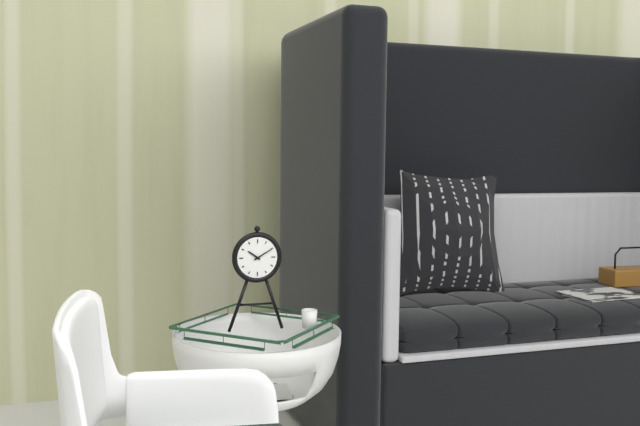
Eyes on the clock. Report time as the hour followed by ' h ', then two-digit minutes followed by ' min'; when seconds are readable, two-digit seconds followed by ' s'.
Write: 10 h 10 min
